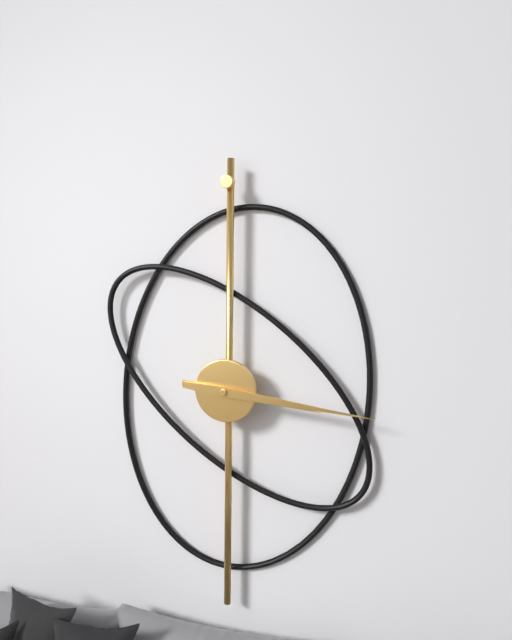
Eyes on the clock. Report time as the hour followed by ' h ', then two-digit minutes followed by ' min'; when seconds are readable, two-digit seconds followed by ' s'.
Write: 3 h 16 min
